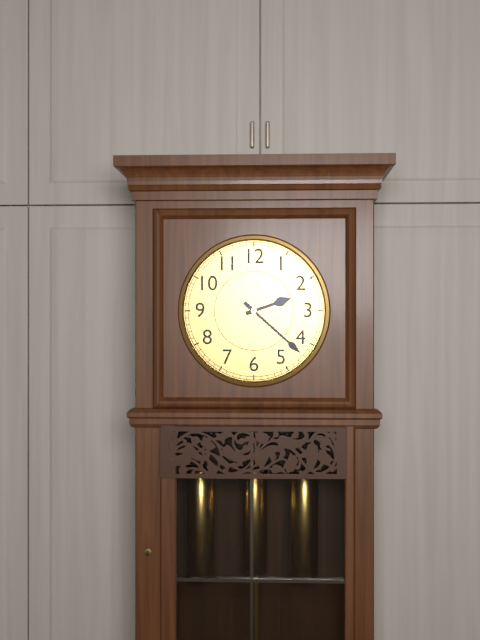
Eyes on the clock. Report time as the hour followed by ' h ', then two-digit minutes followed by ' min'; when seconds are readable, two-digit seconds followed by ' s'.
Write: 2 h 22 min
